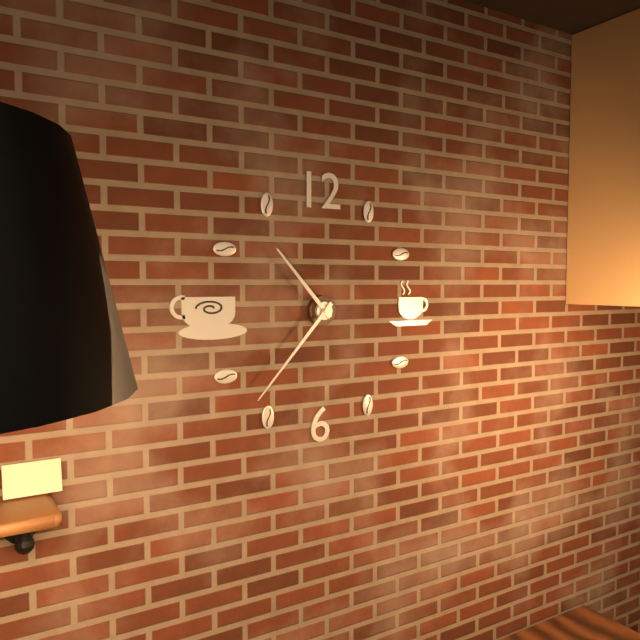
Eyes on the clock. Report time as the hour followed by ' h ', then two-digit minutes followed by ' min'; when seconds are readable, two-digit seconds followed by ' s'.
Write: 10 h 37 min
